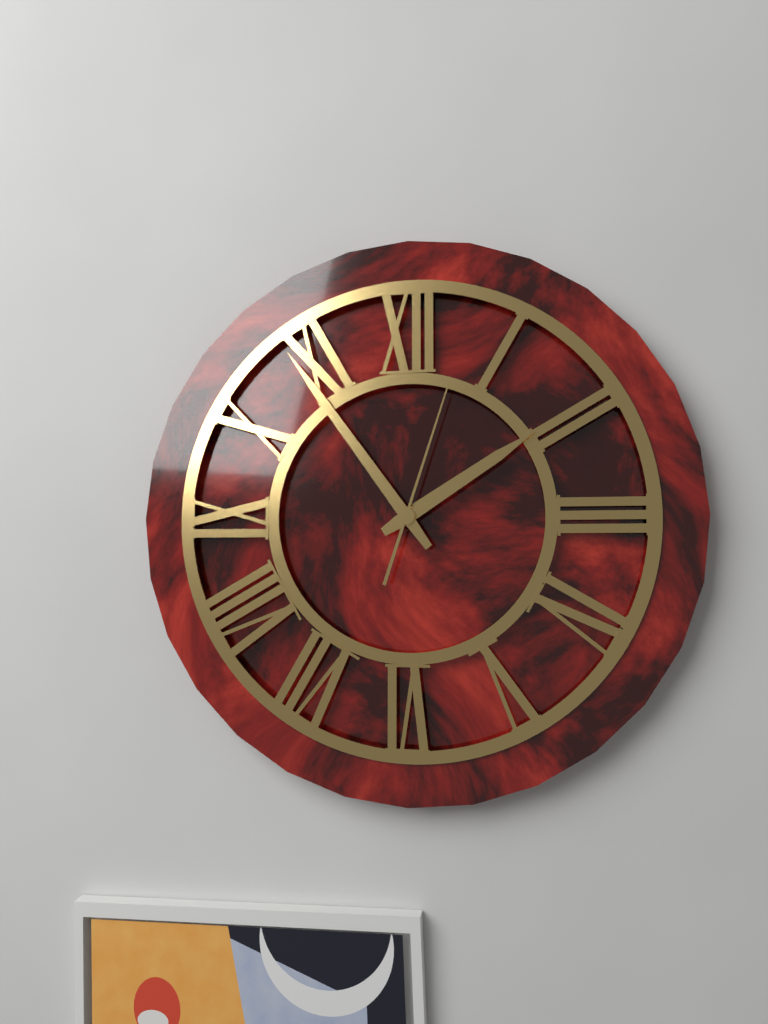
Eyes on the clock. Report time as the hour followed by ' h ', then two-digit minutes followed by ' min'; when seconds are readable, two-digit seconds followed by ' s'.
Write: 1 h 54 min 03 s
